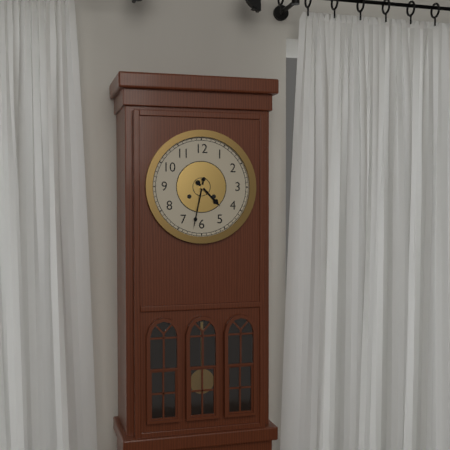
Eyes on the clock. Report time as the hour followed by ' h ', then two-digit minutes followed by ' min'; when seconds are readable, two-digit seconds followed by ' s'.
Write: 4 h 32 min
